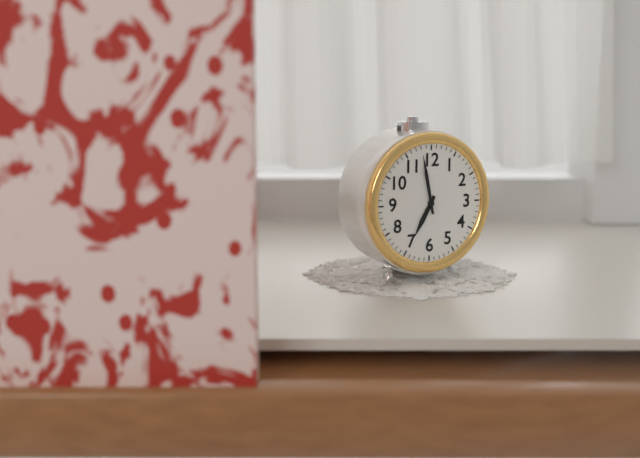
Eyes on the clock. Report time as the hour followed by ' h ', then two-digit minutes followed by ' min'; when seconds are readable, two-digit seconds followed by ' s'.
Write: 6 h 58 min
